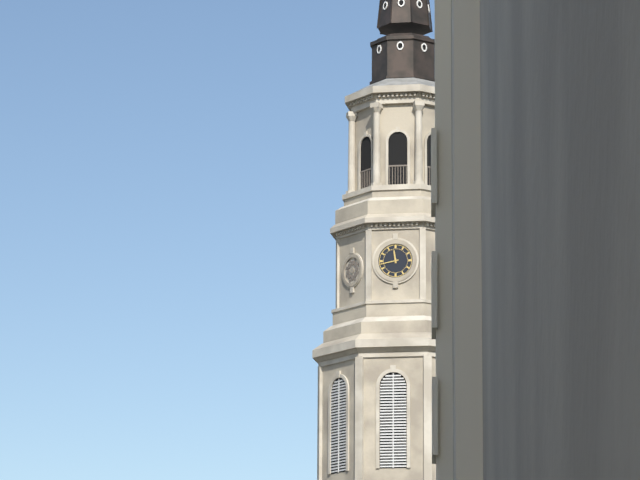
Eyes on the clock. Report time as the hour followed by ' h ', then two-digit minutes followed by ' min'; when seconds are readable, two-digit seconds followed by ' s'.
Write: 11 h 43 min
